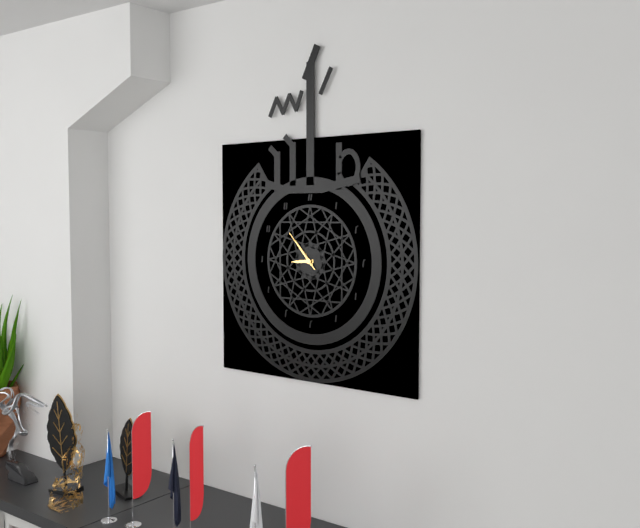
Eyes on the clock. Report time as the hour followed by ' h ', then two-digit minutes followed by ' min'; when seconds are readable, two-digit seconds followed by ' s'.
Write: 8 h 53 min
